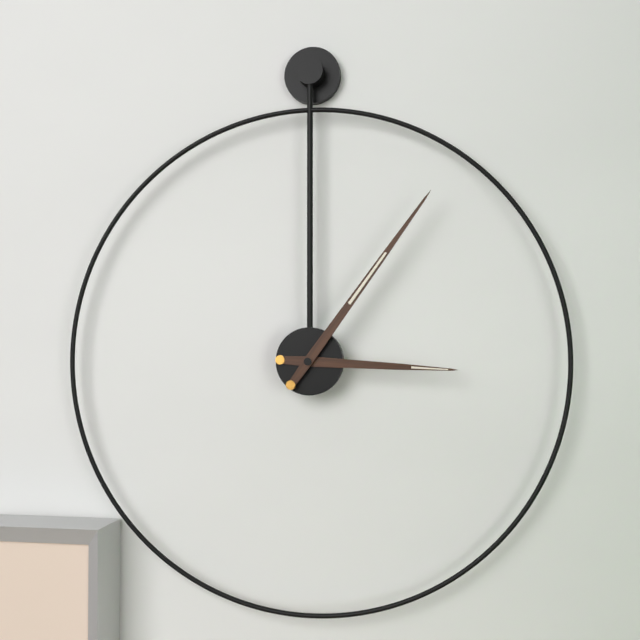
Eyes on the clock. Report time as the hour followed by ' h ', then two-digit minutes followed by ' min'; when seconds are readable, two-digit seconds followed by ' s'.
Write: 3 h 06 min
